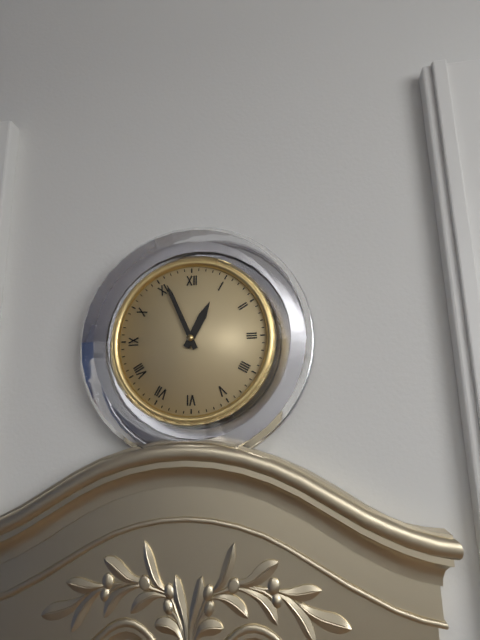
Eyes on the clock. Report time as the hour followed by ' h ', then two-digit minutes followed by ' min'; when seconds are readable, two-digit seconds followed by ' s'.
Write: 12 h 56 min
